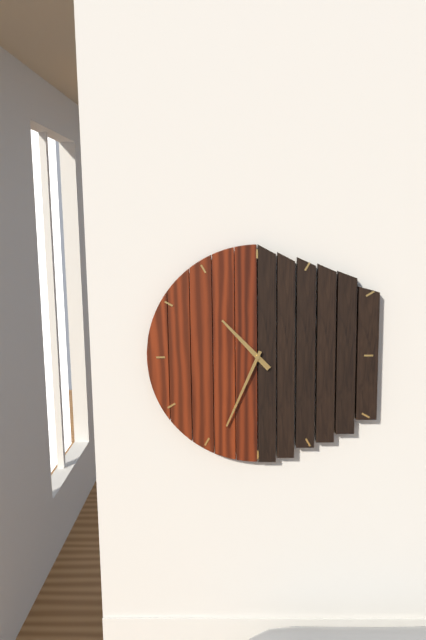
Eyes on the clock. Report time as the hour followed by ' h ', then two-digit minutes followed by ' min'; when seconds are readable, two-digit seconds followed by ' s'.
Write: 10 h 34 min
